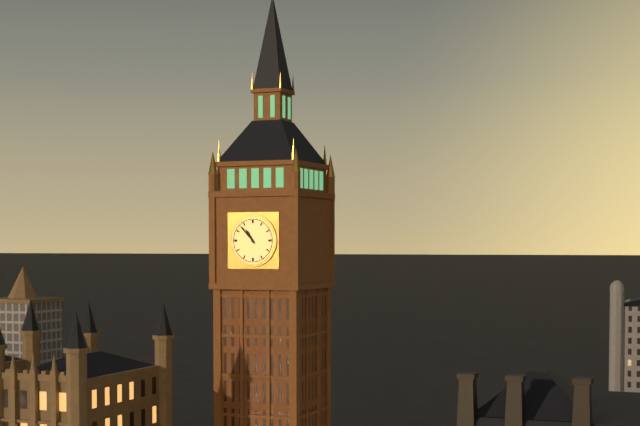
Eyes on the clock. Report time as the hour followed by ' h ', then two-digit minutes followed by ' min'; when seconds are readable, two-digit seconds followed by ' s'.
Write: 10 h 53 min
